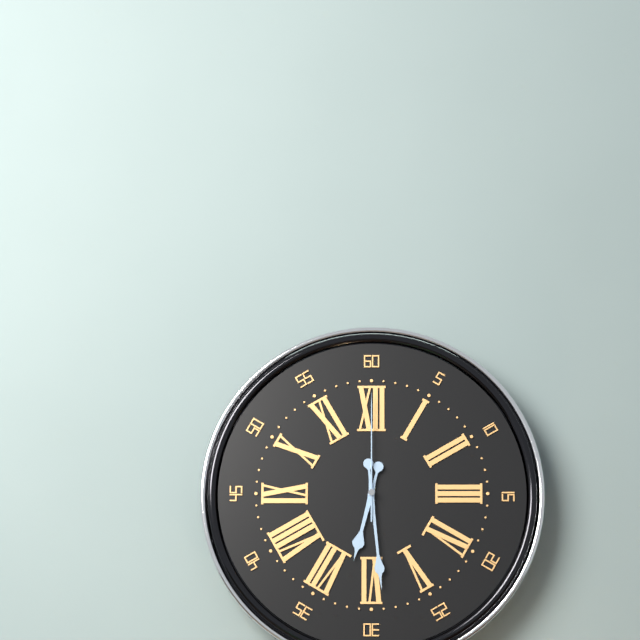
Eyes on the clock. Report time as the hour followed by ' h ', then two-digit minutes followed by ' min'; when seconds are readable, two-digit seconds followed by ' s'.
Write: 6 h 29 min 00 s
